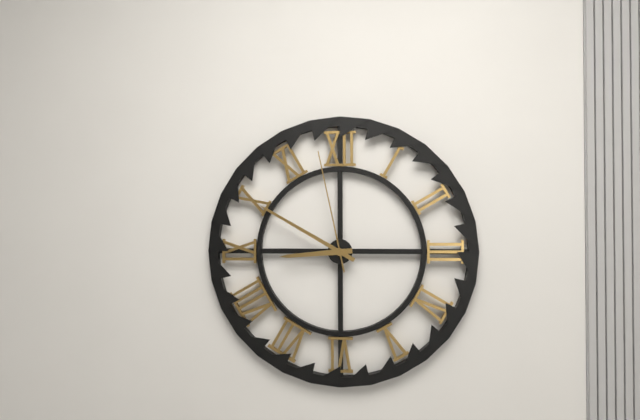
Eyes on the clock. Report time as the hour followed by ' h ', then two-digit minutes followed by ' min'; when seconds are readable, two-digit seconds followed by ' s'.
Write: 8 h 50 min 58 s
